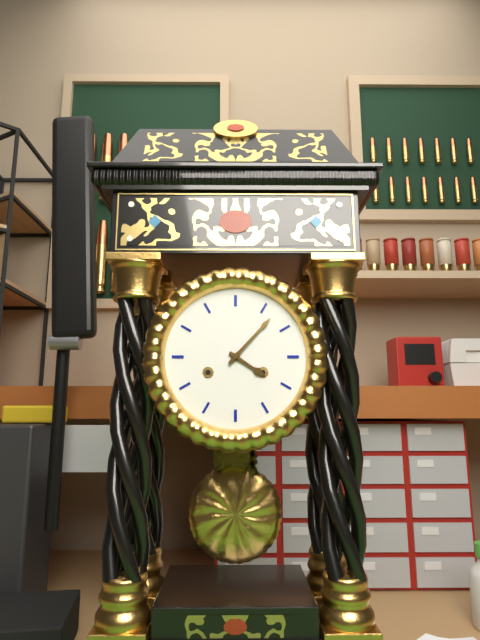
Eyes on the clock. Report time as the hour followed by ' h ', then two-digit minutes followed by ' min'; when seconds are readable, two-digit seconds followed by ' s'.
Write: 4 h 07 min
